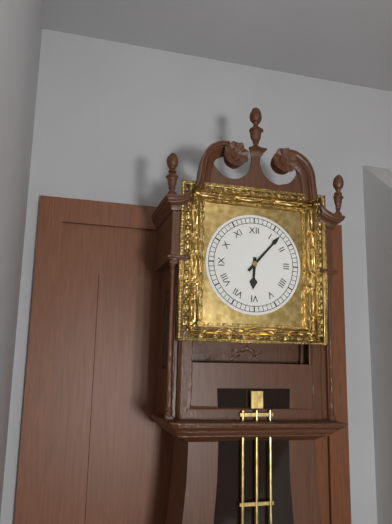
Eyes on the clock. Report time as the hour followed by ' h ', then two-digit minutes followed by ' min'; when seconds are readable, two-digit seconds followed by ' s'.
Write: 6 h 07 min
